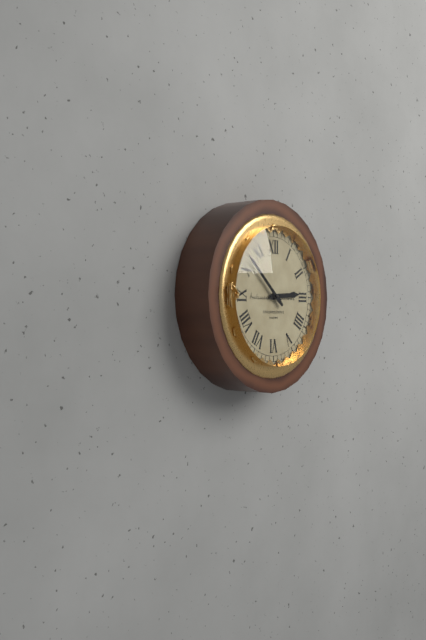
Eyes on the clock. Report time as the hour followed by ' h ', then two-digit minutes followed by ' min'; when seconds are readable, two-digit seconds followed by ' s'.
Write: 2 h 52 min
